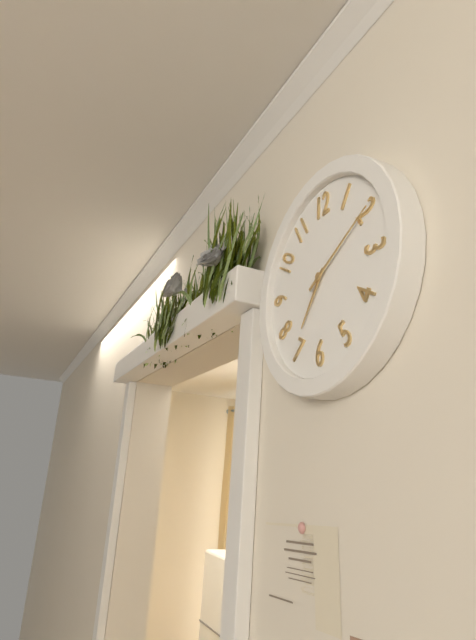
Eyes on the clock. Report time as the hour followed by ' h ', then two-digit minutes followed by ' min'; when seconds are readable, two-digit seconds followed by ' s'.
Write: 7 h 10 min
